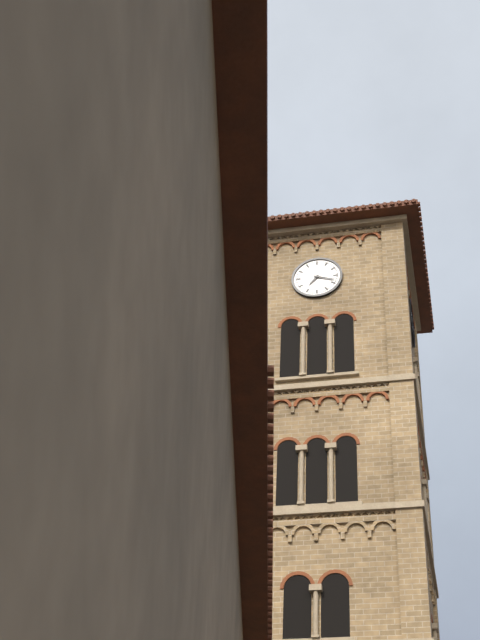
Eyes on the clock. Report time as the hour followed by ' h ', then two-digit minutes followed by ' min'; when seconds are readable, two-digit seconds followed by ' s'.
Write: 7 h 18 min
